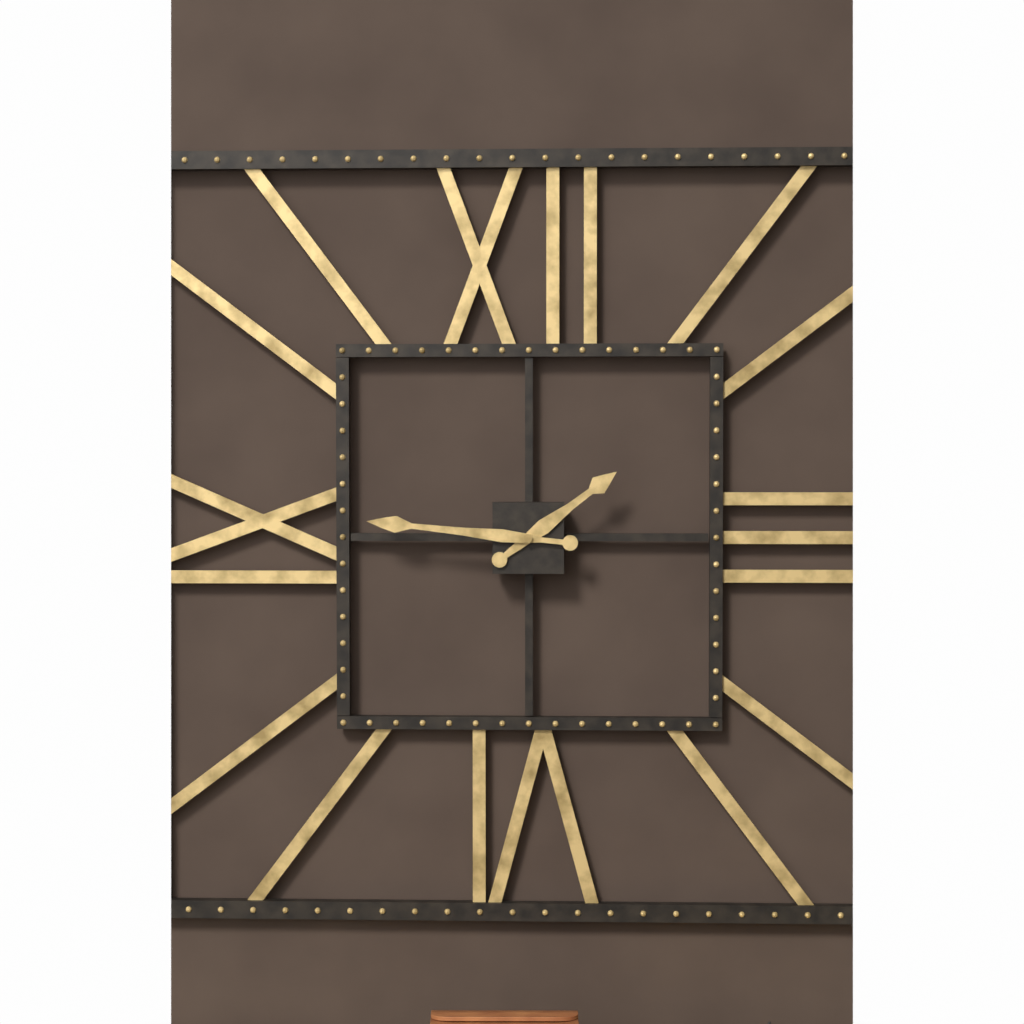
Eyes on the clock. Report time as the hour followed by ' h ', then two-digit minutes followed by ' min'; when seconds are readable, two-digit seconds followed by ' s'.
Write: 1 h 46 min
